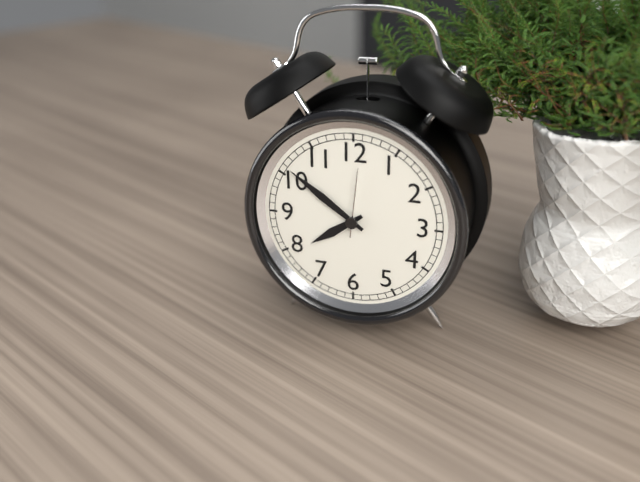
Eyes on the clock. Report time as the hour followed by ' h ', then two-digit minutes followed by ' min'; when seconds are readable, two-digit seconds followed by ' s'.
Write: 7 h 51 min 01 s
